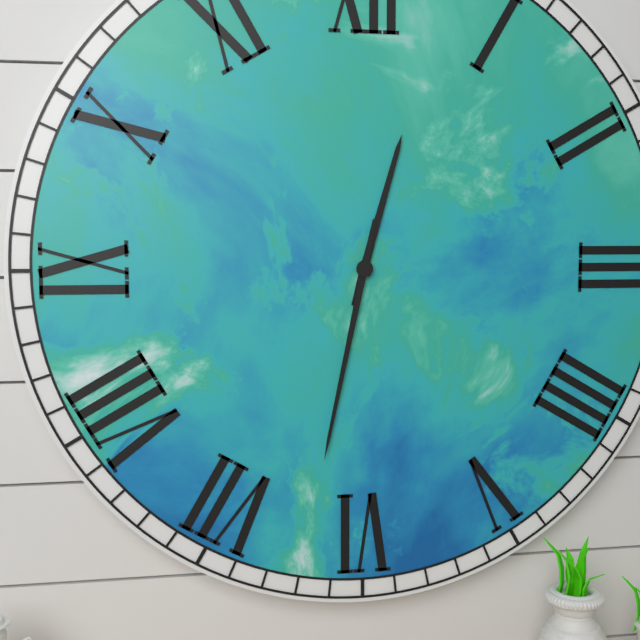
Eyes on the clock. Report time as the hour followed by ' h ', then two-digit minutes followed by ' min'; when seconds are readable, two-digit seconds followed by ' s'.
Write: 12 h 32 min
